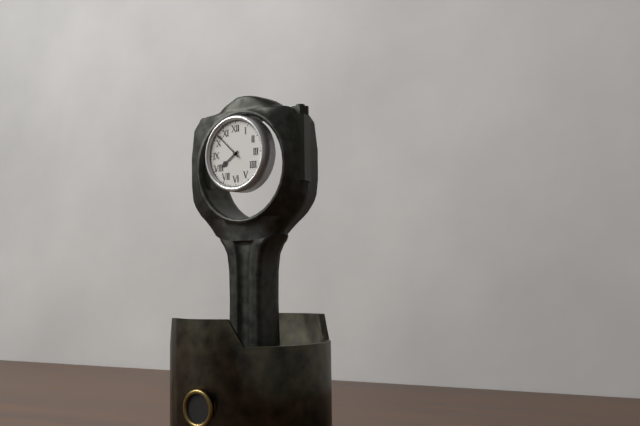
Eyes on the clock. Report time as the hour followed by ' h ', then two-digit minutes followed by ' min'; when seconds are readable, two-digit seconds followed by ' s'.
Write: 7 h 52 min
